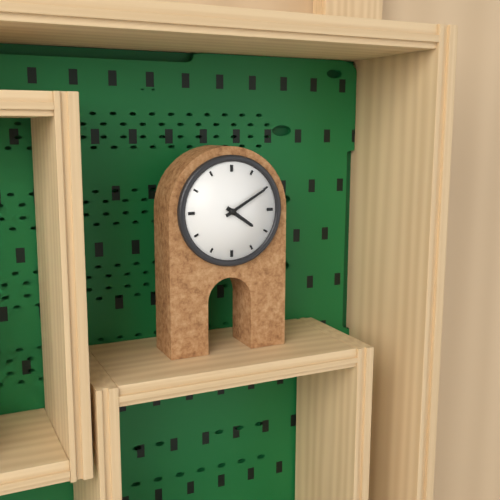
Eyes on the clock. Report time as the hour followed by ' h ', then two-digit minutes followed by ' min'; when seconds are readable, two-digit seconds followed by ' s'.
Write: 4 h 10 min
